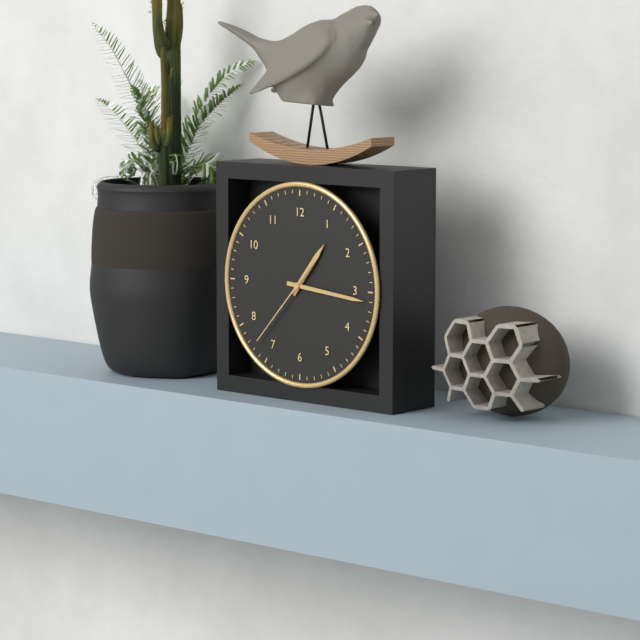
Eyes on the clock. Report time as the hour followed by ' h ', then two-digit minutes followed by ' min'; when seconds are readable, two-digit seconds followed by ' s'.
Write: 1 h 16 min 37 s
